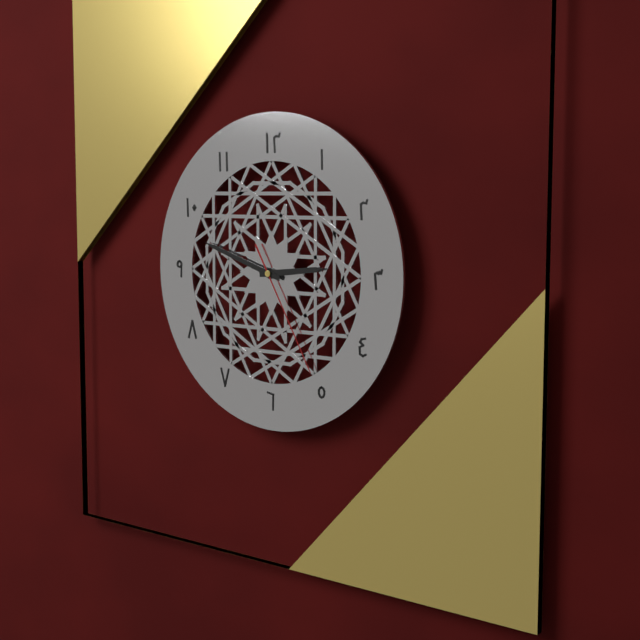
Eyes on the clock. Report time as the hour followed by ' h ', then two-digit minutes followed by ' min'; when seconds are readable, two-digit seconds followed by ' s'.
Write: 2 h 48 min 25 s
